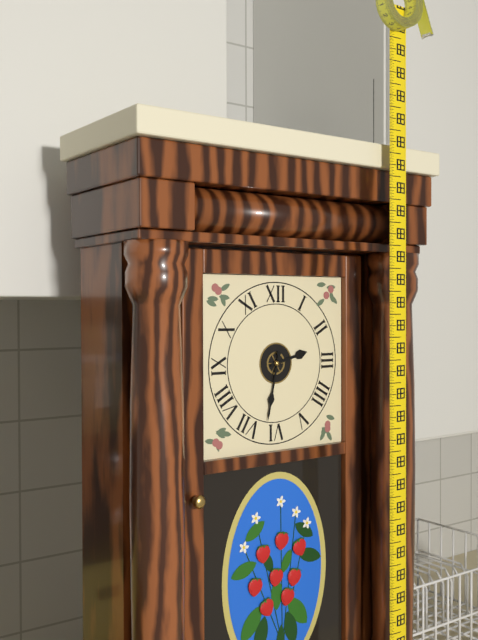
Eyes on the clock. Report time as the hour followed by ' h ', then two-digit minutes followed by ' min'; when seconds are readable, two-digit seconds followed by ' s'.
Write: 2 h 32 min
